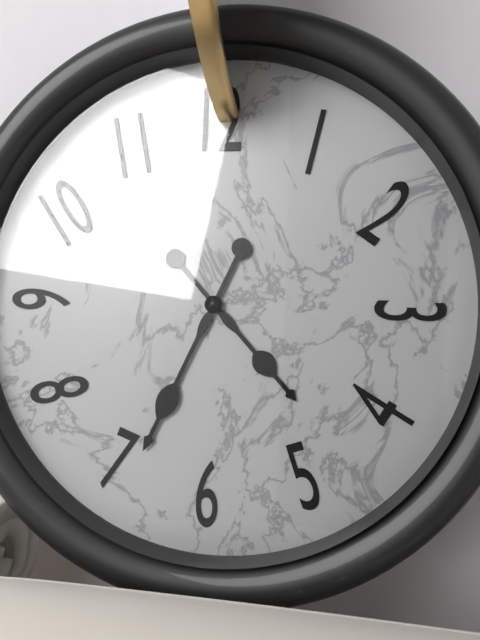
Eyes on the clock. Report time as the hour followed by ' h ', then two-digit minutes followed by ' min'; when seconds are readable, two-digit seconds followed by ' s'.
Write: 4 h 34 min
